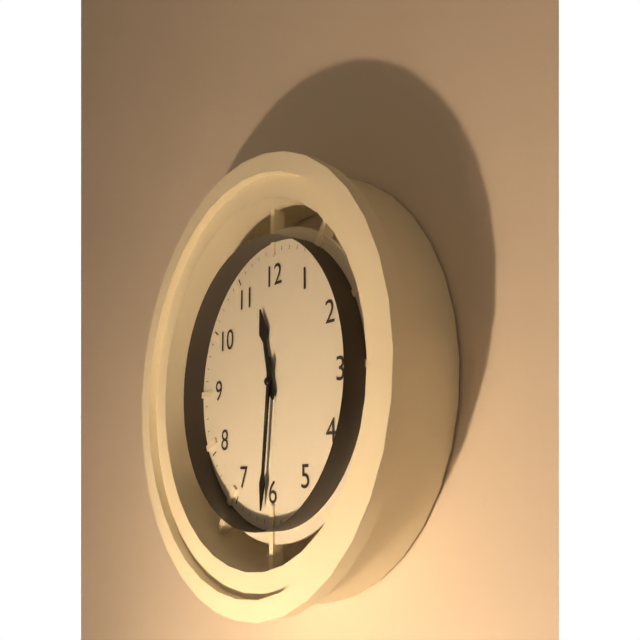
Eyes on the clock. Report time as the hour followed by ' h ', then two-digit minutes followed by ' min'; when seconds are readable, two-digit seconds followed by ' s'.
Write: 11 h 31 min
